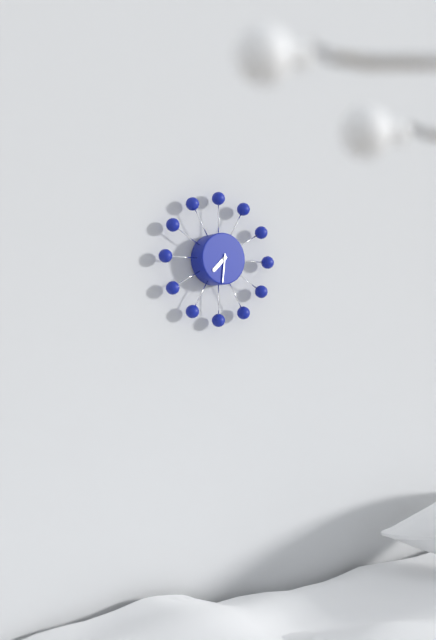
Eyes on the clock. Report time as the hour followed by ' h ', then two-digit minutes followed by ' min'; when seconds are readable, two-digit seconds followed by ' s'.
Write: 7 h 31 min
